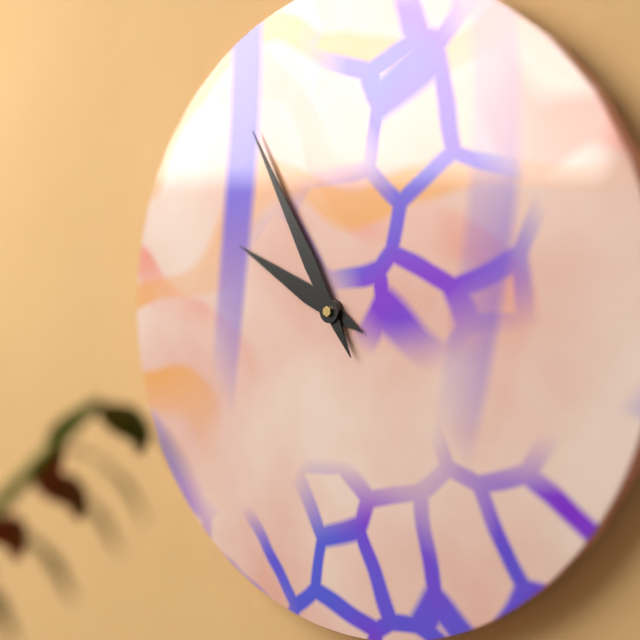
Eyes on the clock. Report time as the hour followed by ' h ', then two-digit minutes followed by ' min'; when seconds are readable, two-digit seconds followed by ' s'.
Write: 9 h 55 min
